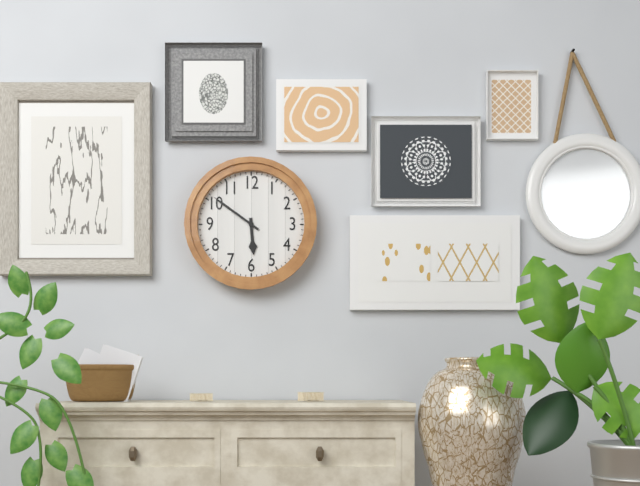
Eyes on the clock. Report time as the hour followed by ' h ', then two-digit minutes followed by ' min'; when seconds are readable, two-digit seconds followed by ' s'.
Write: 5 h 51 min
